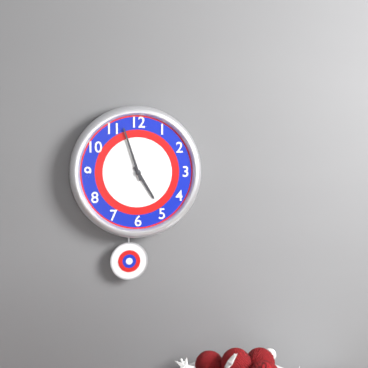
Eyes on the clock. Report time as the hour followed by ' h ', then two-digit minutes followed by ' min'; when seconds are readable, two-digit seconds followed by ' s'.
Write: 4 h 57 min
